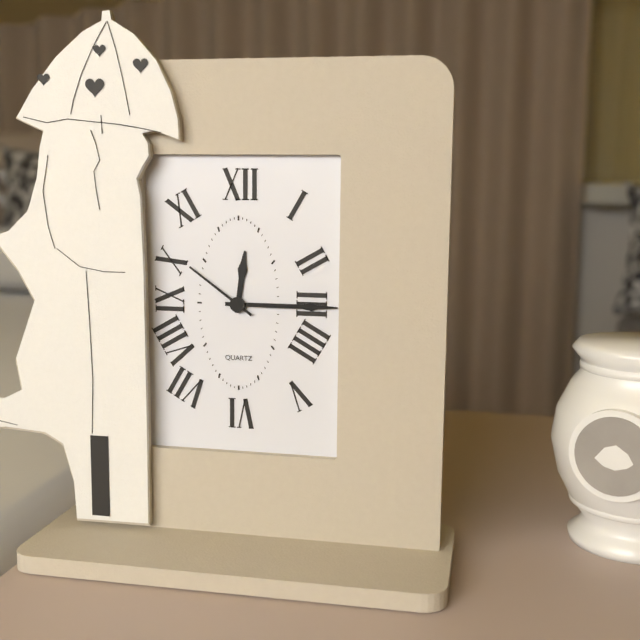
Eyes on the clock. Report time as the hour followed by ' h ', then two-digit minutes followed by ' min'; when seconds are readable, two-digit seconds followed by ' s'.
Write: 12 h 15 min 51 s
